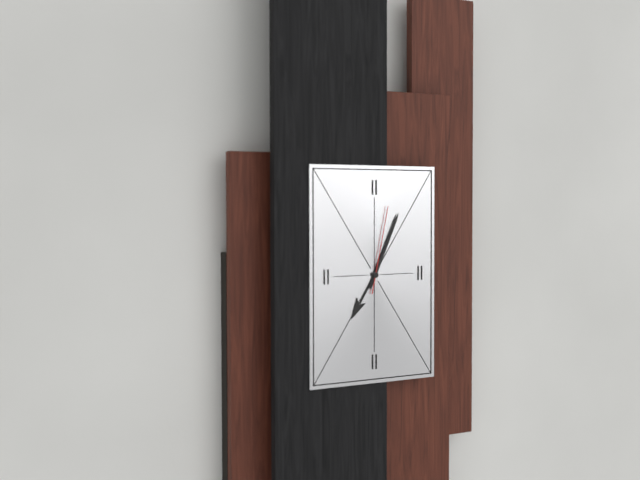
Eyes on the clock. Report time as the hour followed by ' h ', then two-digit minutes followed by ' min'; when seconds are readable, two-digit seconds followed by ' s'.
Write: 7 h 04 min 02 s
